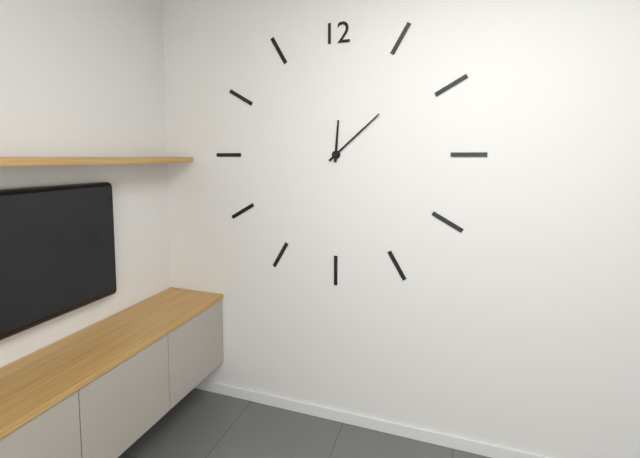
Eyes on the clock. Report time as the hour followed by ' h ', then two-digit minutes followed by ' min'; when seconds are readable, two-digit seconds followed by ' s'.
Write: 12 h 08 min
